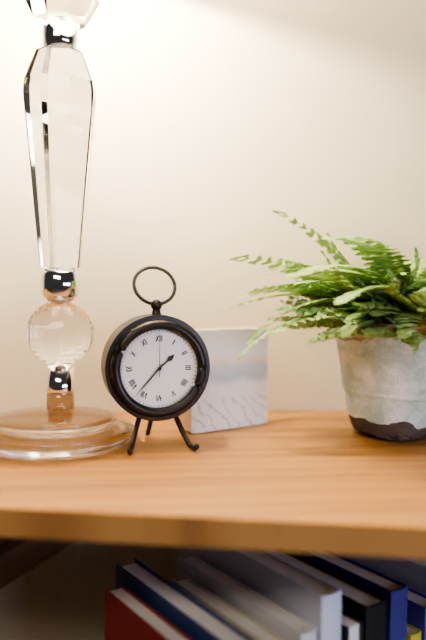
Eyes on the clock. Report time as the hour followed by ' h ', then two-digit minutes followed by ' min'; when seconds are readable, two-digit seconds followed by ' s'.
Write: 1 h 37 min
